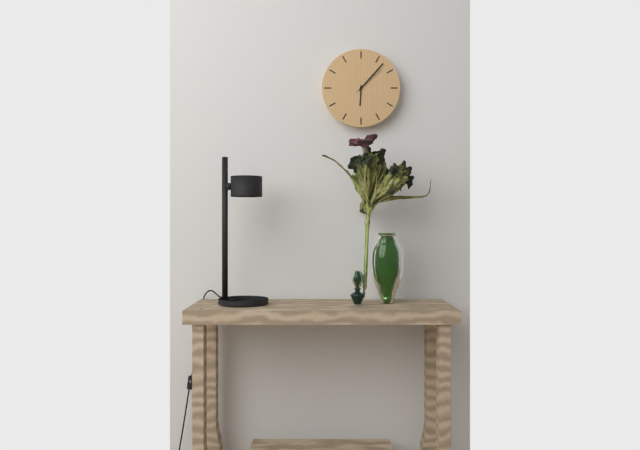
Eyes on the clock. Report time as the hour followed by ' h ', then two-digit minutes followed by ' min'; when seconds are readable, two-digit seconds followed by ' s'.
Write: 6 h 07 min
